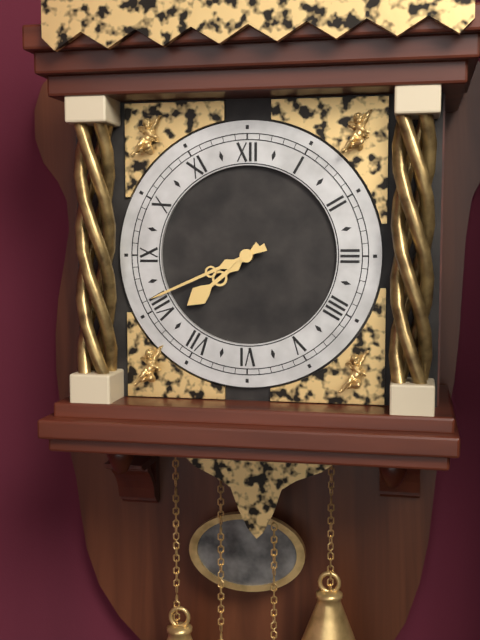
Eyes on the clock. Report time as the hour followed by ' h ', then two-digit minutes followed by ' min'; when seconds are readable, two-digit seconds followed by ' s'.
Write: 7 h 41 min
